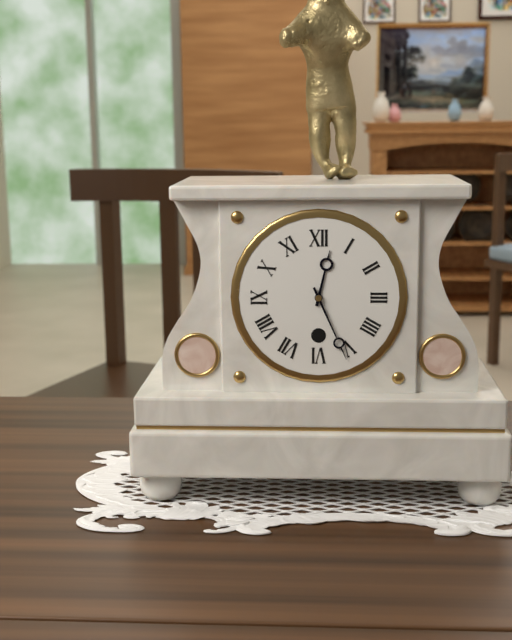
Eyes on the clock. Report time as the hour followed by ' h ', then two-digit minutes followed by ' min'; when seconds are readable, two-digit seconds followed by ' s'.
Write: 12 h 26 min
